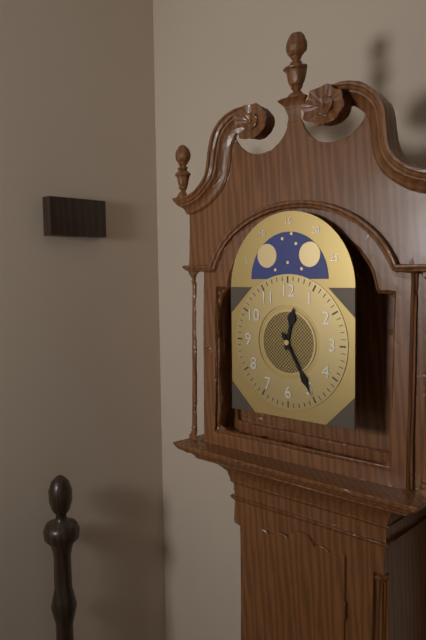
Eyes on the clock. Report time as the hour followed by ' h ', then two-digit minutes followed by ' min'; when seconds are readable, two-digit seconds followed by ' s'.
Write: 12 h 25 min
